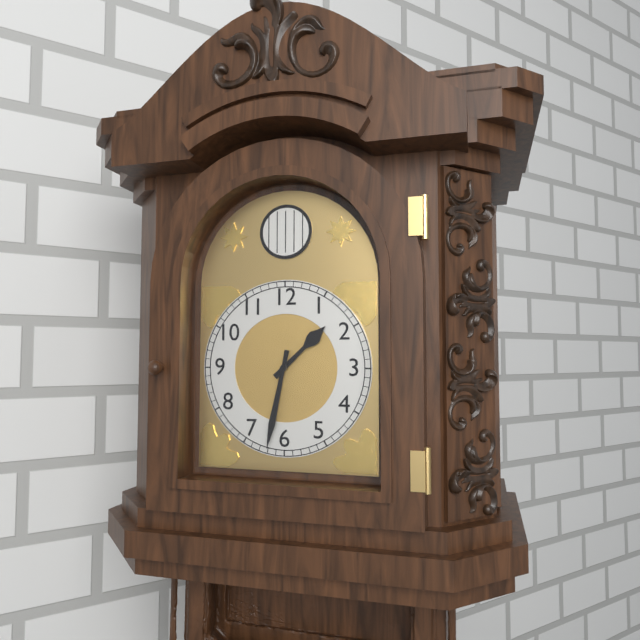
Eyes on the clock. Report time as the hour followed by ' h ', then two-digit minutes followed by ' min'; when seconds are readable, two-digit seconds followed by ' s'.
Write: 1 h 32 min
